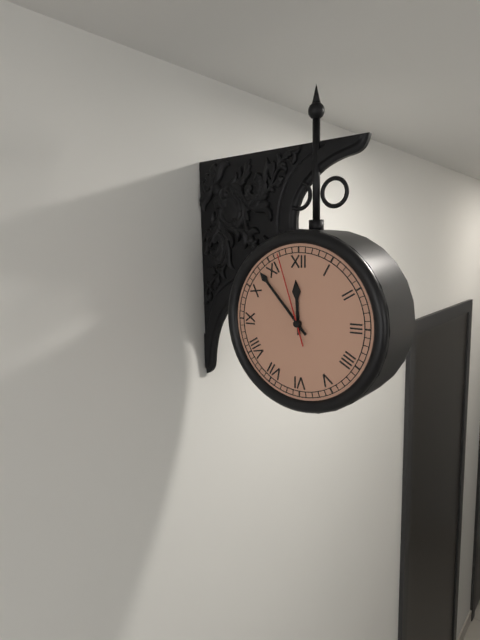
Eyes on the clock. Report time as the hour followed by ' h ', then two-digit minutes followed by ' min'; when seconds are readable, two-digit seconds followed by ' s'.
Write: 11 h 53 min 57 s
